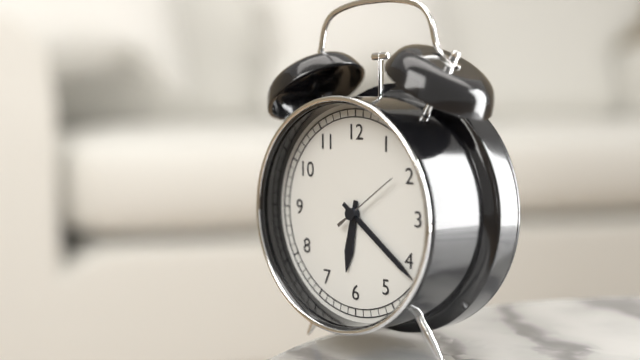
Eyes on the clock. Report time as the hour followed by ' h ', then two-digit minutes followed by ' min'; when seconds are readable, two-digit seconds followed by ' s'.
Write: 6 h 21 min 09 s
